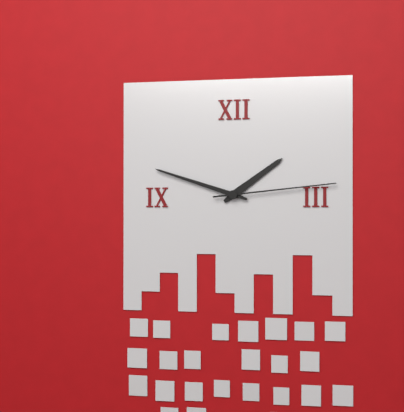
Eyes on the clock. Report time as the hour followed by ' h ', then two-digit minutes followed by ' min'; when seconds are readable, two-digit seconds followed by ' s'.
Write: 1 h 48 min 14 s
